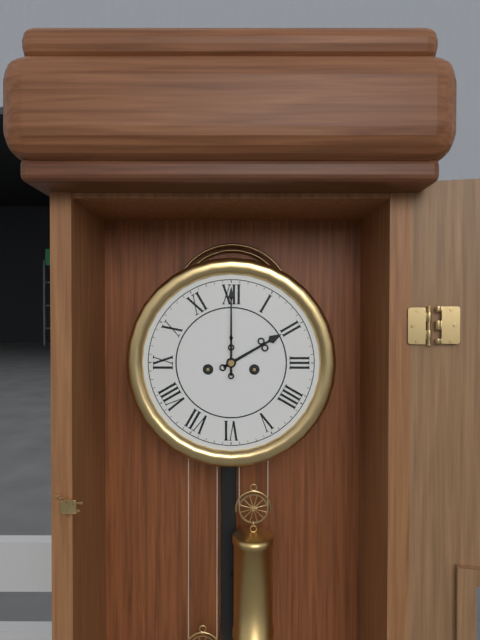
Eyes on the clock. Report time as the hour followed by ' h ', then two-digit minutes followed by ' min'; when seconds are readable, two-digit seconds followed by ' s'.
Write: 2 h 00 min
